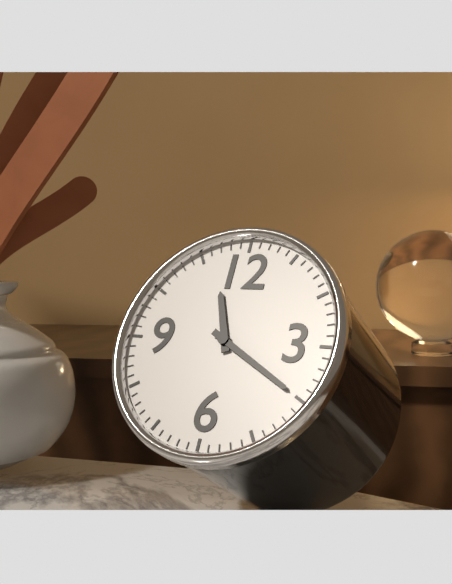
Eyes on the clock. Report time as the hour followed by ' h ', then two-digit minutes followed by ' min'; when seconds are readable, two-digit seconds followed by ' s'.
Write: 11 h 20 min
